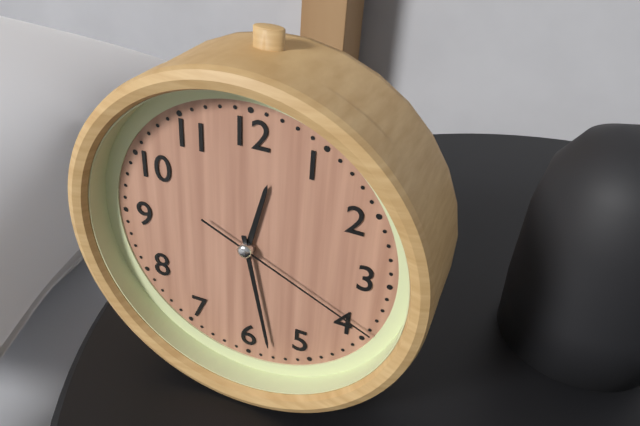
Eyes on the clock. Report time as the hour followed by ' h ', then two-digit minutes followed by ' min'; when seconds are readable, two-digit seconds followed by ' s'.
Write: 12 h 28 min 19 s
